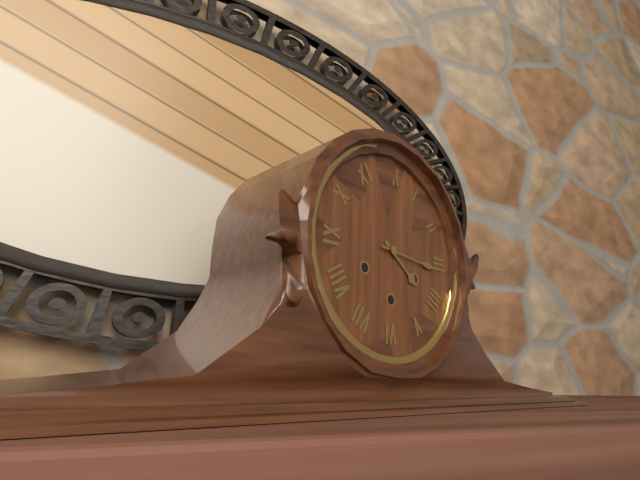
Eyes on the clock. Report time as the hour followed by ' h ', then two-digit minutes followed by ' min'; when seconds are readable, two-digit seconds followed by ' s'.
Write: 4 h 16 min
